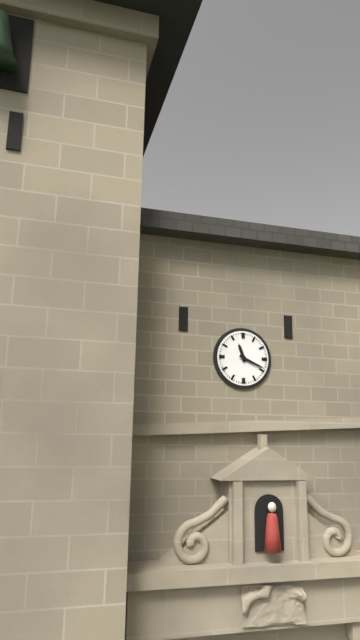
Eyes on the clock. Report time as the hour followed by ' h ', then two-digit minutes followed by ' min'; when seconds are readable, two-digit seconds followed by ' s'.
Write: 11 h 19 min
